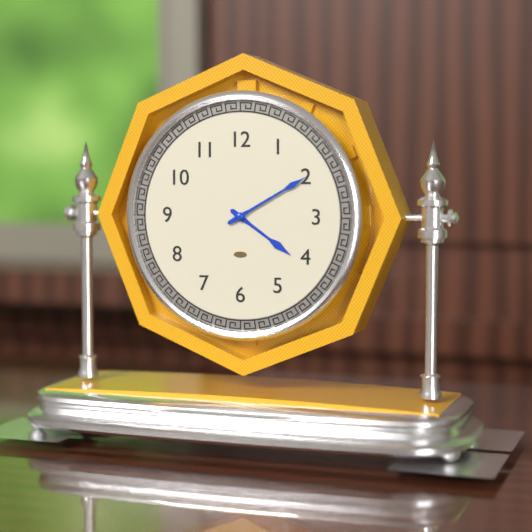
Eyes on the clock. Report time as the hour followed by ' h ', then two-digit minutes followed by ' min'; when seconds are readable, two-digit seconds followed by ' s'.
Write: 4 h 10 min
